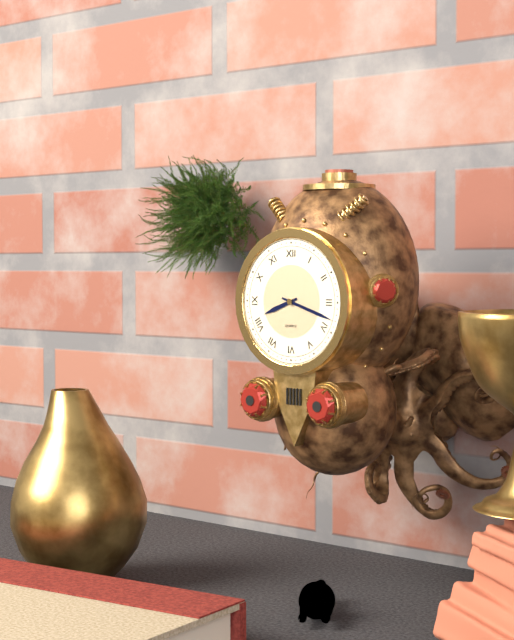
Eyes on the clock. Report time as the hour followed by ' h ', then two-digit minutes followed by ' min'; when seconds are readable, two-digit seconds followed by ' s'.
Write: 8 h 18 min
